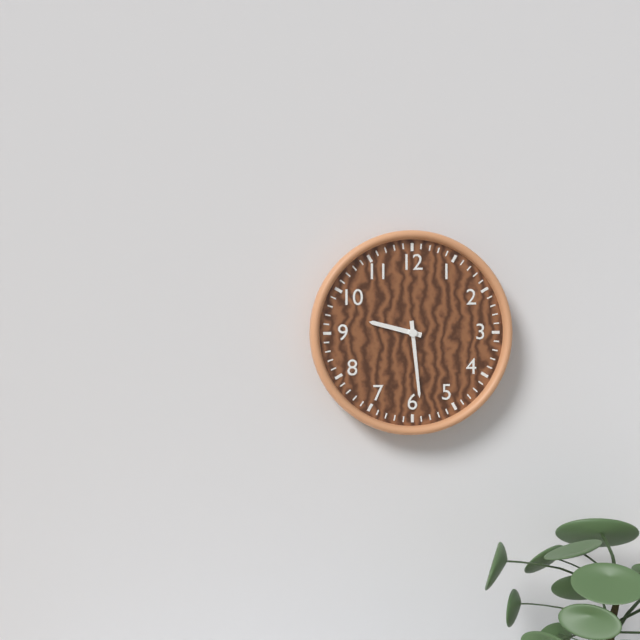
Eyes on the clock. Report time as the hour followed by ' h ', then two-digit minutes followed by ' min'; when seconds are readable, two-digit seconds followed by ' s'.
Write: 9 h 29 min
